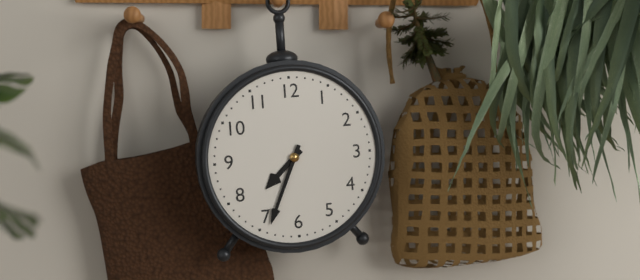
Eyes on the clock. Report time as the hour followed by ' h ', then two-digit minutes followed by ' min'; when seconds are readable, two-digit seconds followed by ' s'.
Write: 7 h 34 min
